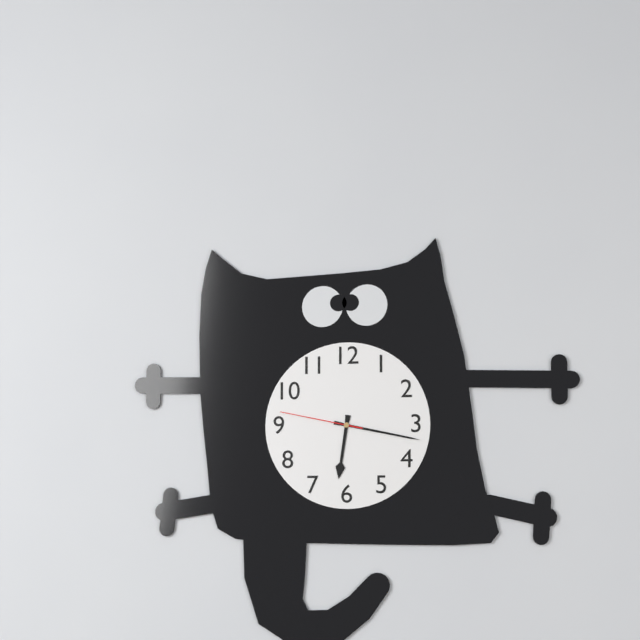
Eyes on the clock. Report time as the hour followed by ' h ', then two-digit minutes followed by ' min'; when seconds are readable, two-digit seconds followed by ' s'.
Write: 6 h 17 min 47 s
